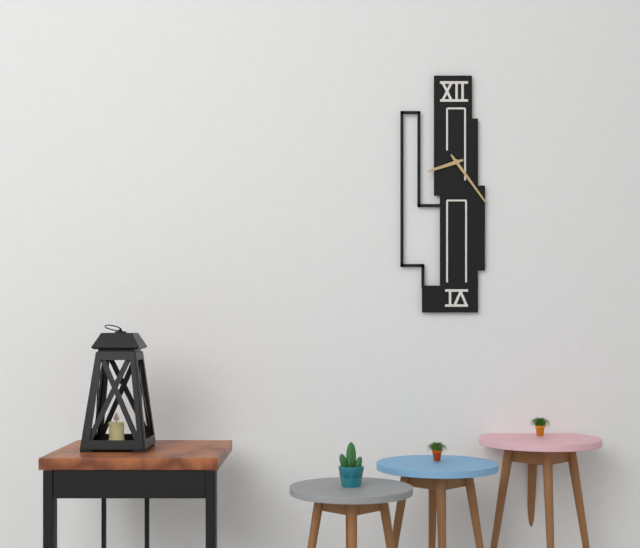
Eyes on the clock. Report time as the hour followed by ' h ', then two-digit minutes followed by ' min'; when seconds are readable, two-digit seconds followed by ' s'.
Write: 8 h 24 min
